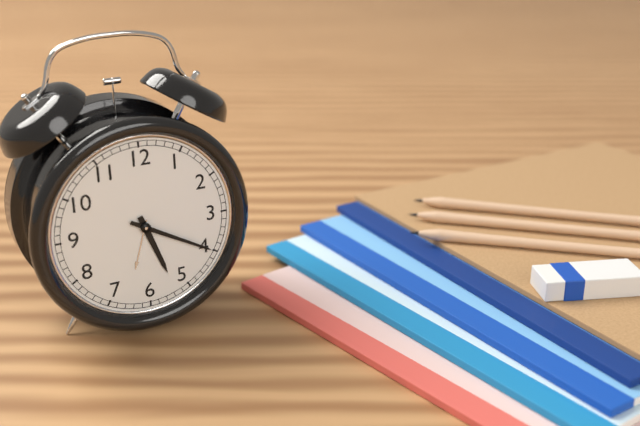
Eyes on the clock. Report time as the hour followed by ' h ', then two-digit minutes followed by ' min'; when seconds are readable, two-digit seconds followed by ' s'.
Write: 5 h 20 min
